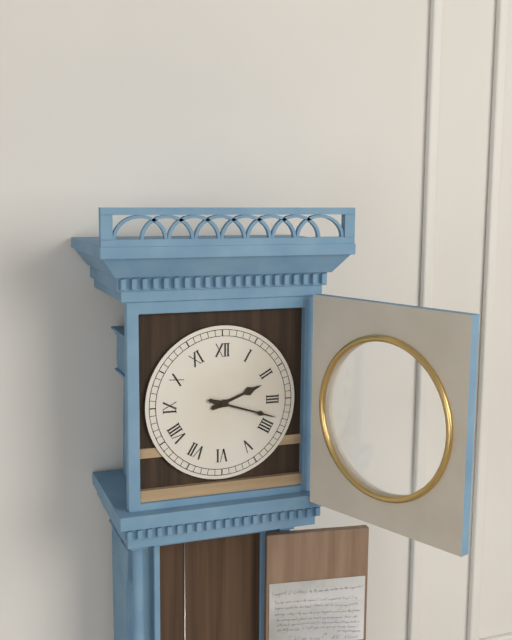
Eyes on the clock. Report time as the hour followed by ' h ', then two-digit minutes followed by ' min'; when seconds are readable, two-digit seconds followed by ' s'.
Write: 2 h 18 min
